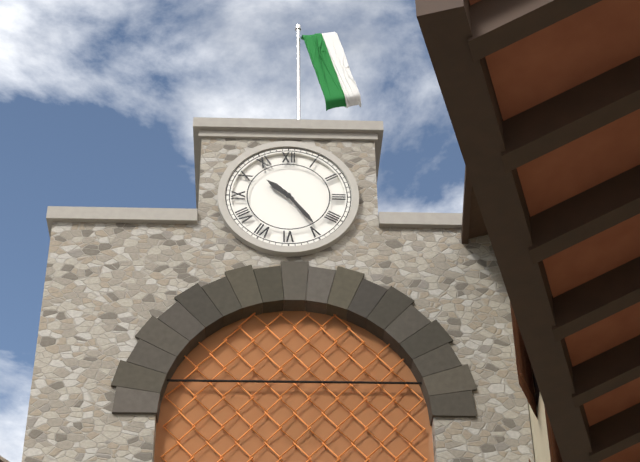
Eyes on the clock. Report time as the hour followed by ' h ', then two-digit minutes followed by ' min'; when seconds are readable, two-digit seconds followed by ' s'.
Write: 10 h 24 min
